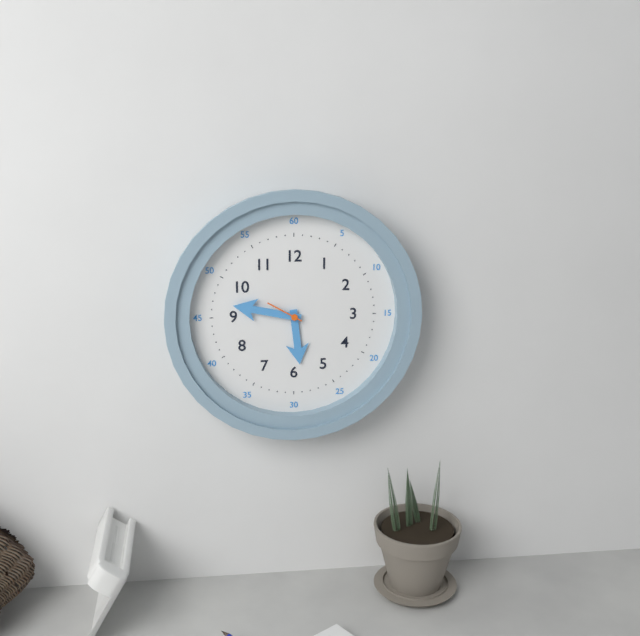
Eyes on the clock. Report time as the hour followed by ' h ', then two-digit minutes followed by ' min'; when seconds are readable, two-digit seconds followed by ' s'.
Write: 5 h 47 min
